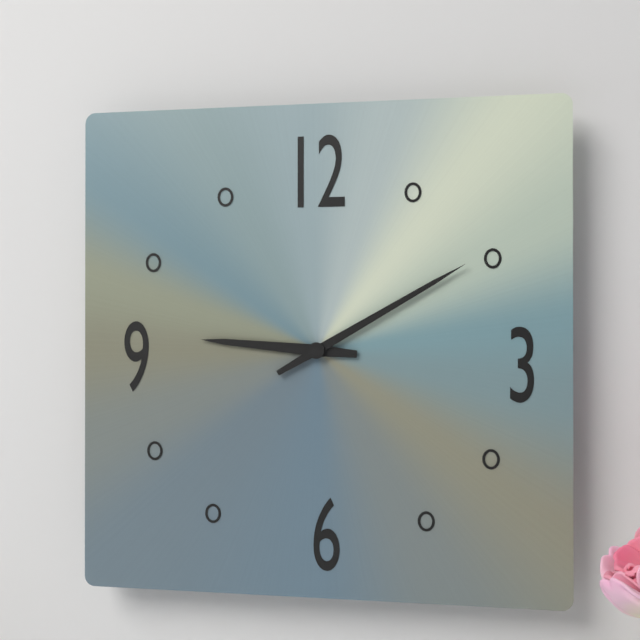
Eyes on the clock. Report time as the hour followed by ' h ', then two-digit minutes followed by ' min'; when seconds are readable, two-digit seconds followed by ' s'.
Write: 9 h 10 min
